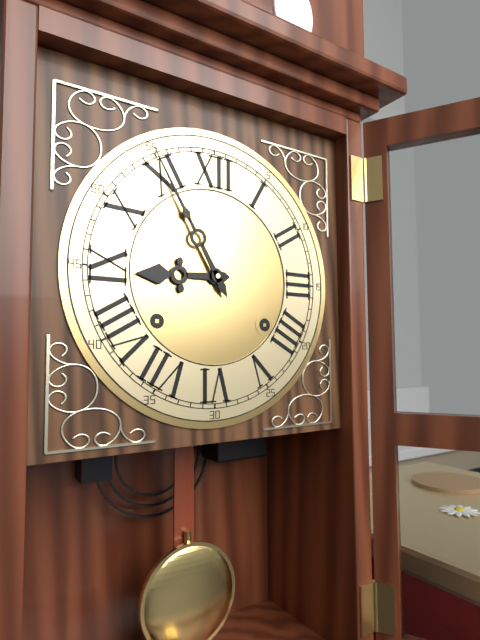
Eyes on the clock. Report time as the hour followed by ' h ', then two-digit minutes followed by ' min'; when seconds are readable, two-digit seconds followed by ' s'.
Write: 8 h 55 min
